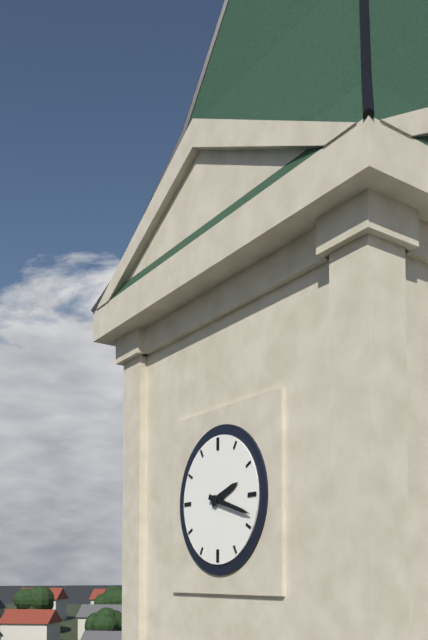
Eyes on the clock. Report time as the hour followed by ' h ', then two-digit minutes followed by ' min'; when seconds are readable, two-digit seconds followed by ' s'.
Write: 2 h 18 min
